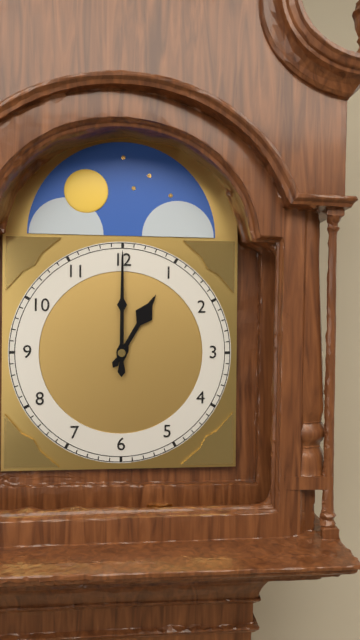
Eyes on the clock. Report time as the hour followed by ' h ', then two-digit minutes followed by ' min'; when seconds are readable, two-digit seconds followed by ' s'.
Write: 1 h 00 min
